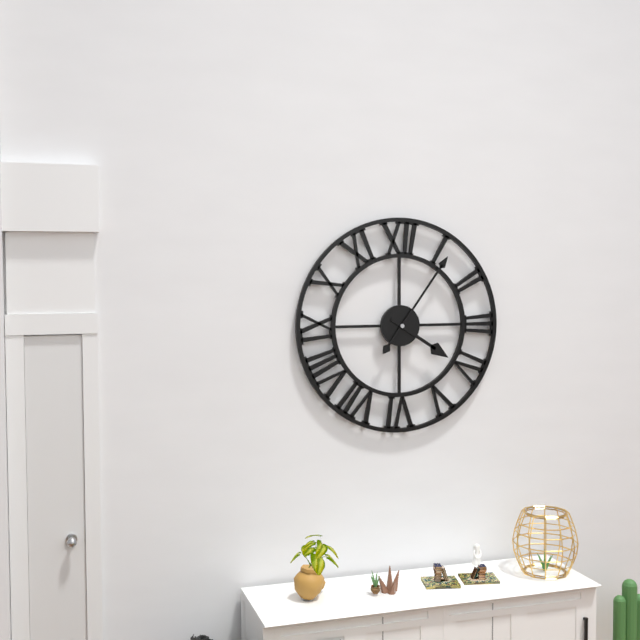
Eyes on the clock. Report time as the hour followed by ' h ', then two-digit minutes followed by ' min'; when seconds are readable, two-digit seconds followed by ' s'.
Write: 4 h 06 min
